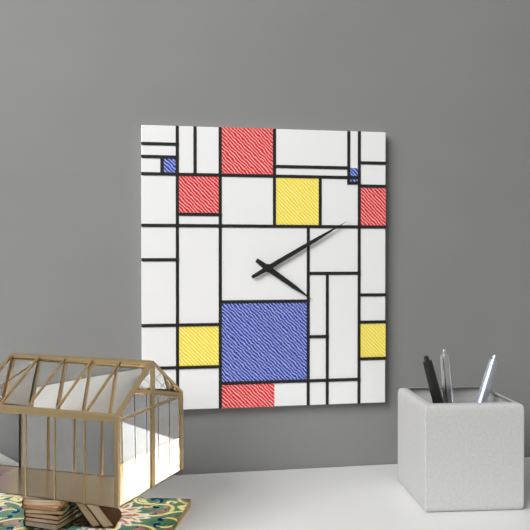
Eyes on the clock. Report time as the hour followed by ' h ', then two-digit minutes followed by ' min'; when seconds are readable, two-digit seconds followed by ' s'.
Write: 4 h 10 min
